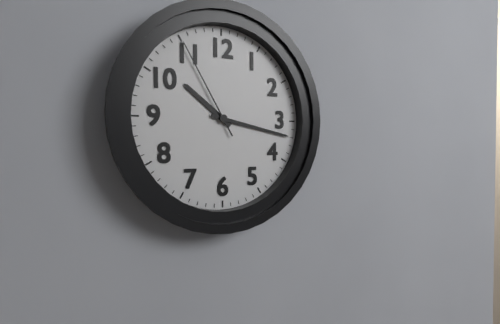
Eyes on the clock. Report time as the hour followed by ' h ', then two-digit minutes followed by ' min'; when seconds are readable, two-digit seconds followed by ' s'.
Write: 10 h 17 min 55 s
